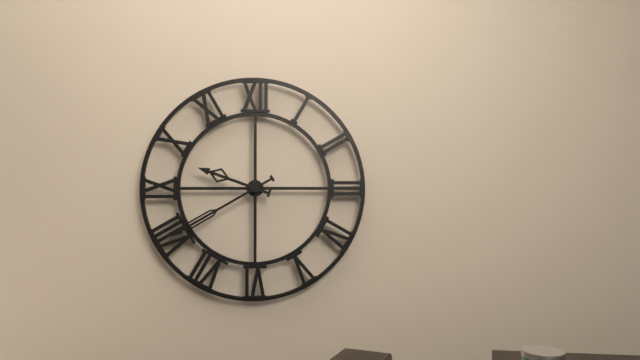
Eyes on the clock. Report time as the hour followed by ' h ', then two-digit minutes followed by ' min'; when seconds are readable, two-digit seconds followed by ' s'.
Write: 9 h 40 min
